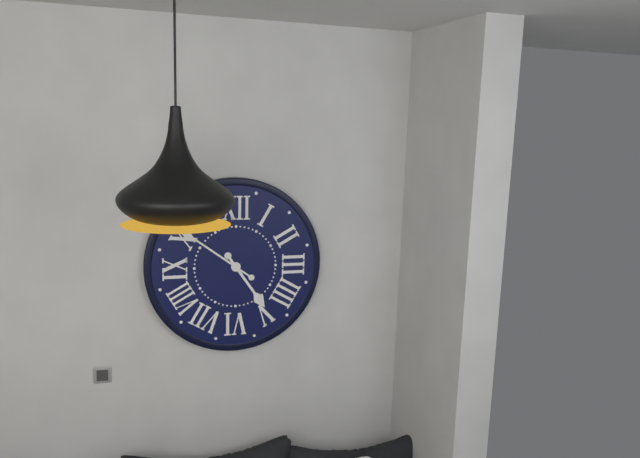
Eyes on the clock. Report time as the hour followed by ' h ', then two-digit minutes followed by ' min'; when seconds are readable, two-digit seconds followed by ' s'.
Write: 4 h 51 min
